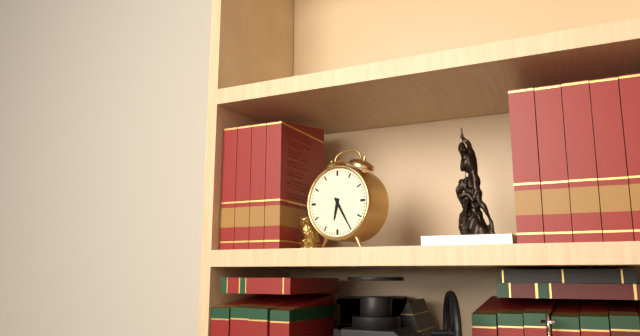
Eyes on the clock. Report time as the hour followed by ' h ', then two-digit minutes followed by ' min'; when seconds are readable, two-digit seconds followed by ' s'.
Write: 6 h 25 min
